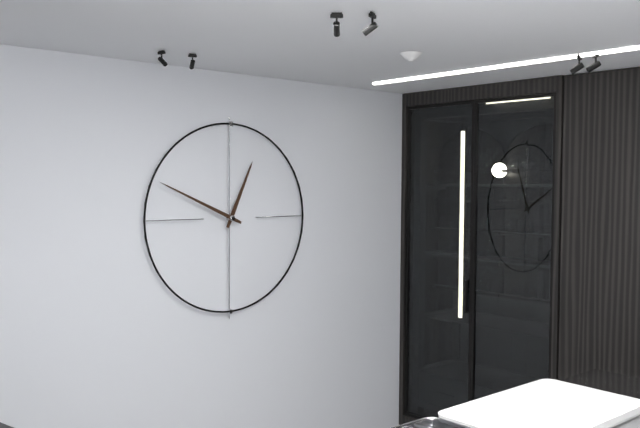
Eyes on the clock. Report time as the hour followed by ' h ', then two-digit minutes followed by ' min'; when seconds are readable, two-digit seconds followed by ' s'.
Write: 12 h 49 min
